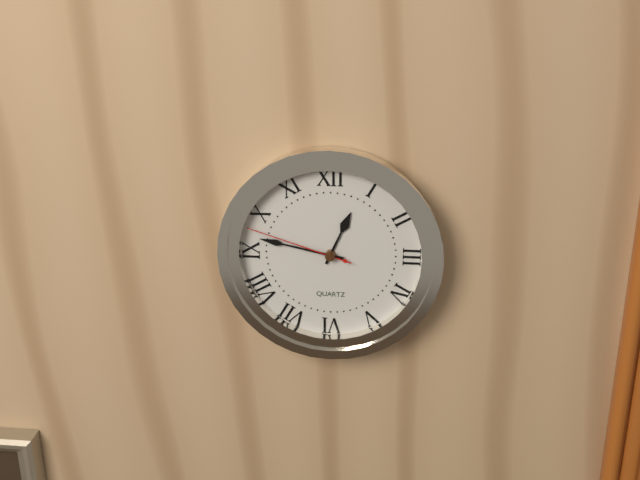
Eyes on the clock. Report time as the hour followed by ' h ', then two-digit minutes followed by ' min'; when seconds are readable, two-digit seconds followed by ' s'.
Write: 12 h 47 min 48 s
